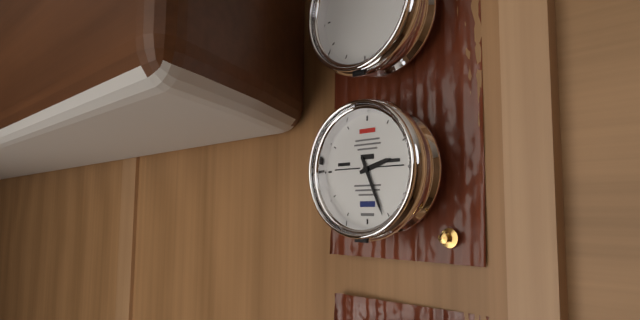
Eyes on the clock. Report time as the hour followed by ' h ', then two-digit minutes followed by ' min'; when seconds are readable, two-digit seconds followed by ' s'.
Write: 2 h 26 min
